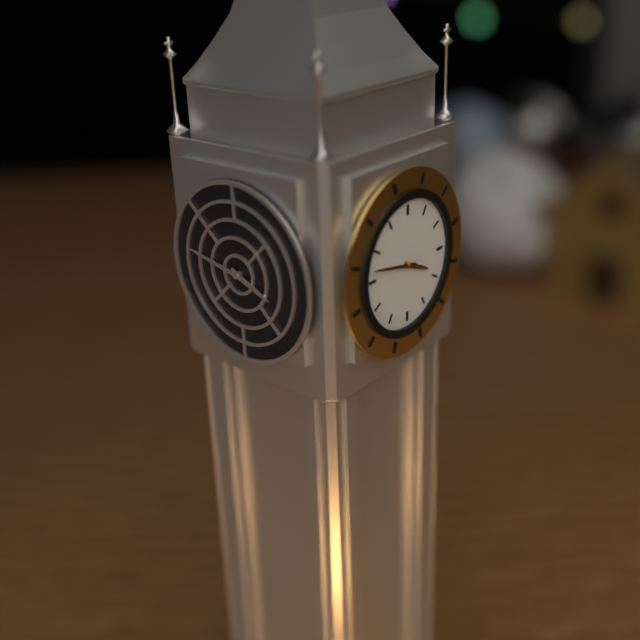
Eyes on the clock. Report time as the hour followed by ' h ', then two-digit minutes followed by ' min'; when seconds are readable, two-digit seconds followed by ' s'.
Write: 3 h 47 min
